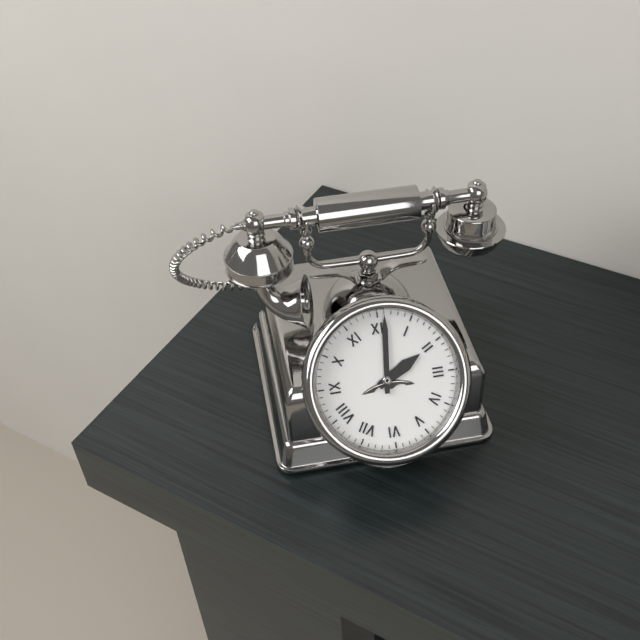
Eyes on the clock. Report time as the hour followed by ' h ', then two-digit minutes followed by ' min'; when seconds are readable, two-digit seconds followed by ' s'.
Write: 2 h 01 min
